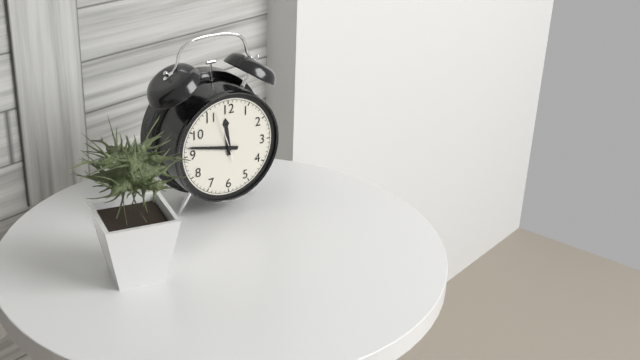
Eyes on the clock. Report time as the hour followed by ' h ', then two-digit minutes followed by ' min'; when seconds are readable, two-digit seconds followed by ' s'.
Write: 11 h 47 min
